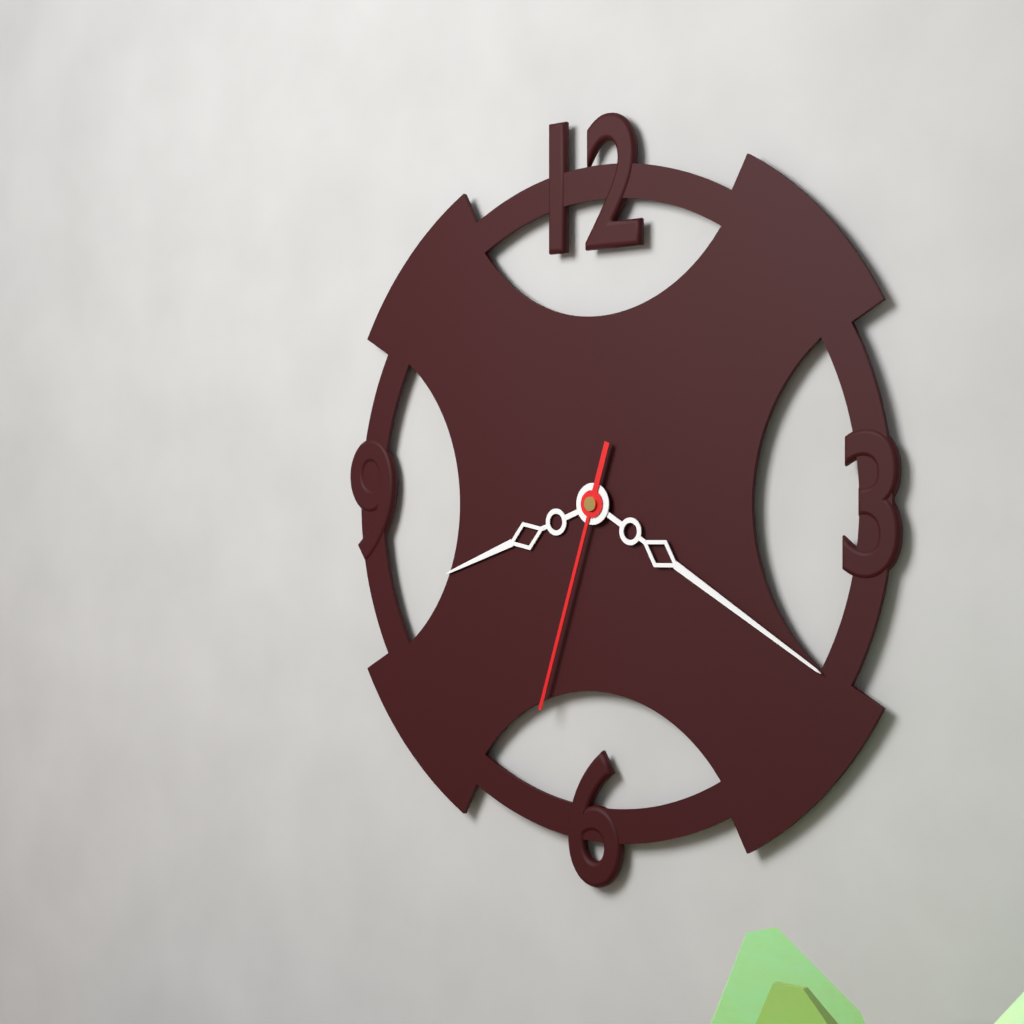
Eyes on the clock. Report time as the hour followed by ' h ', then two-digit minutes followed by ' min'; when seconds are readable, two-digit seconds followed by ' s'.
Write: 8 h 20 min 33 s
